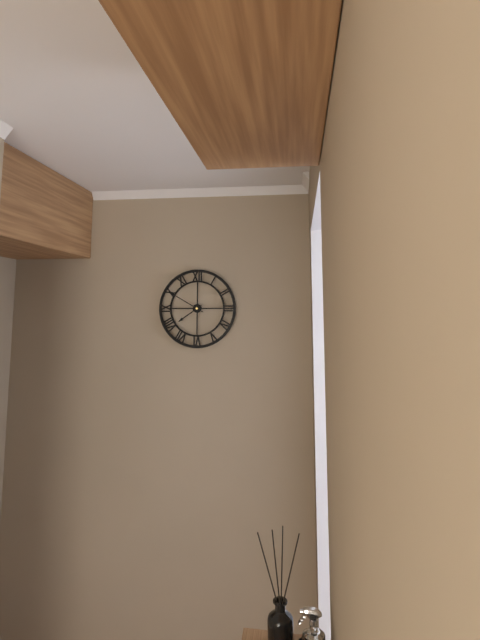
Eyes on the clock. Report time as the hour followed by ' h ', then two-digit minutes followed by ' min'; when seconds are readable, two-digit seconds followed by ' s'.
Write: 7 h 50 min
